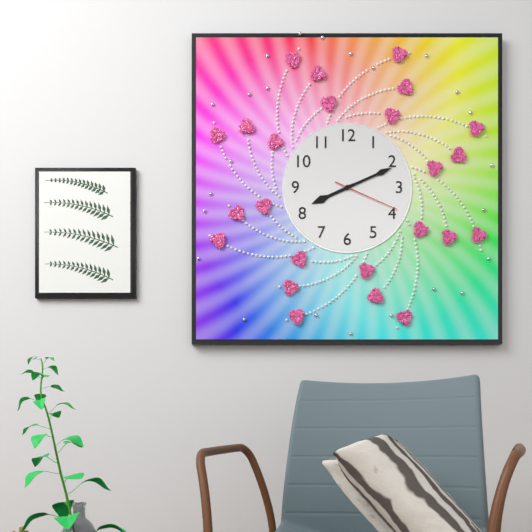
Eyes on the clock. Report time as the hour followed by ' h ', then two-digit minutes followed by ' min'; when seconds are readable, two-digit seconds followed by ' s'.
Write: 8 h 11 min 19 s
